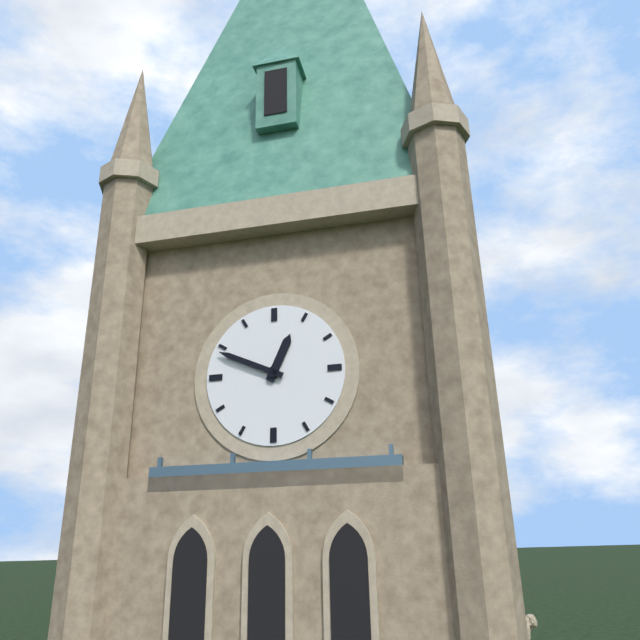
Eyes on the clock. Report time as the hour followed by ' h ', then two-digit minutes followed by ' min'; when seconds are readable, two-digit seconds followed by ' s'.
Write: 12 h 49 min
